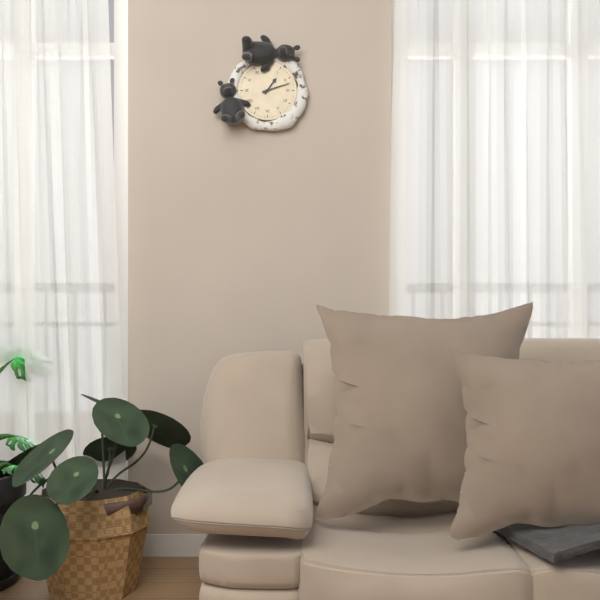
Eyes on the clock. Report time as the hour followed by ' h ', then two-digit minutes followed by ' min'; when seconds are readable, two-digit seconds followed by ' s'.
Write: 1 h 12 min
